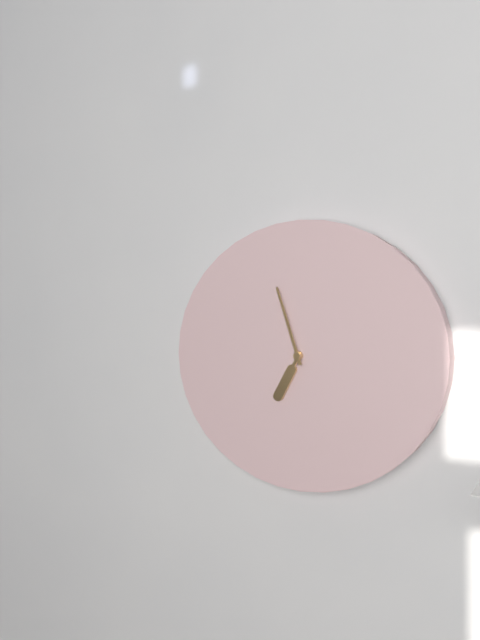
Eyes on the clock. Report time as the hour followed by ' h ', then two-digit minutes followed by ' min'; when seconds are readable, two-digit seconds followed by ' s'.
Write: 6 h 57 min
